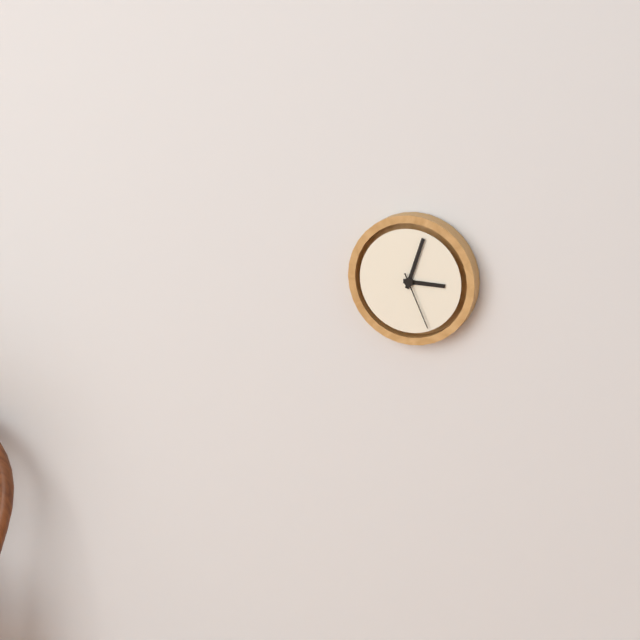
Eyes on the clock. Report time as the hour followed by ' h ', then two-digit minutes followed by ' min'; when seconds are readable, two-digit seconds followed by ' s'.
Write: 3 h 03 min 26 s
